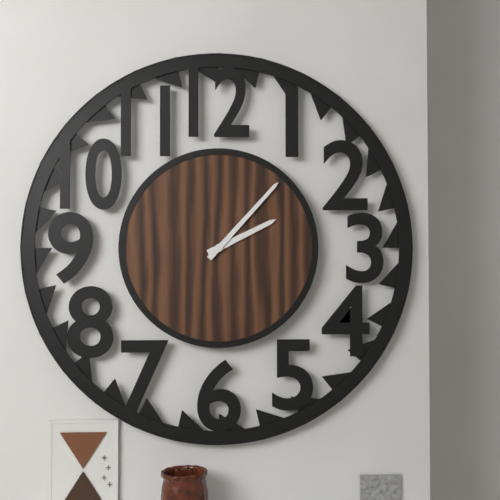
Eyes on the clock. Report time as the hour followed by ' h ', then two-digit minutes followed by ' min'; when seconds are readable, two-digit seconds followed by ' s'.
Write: 2 h 07 min
